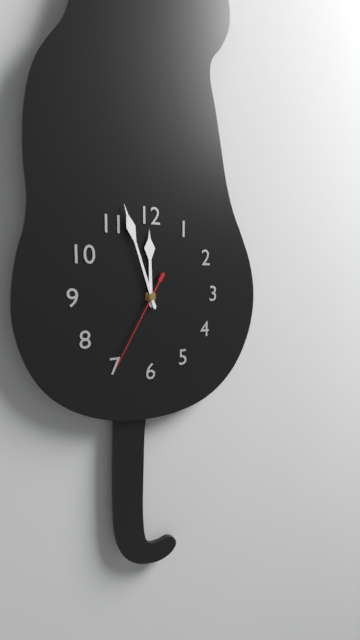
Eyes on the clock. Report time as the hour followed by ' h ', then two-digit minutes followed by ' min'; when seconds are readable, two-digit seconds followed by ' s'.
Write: 11 h 57 min 35 s
